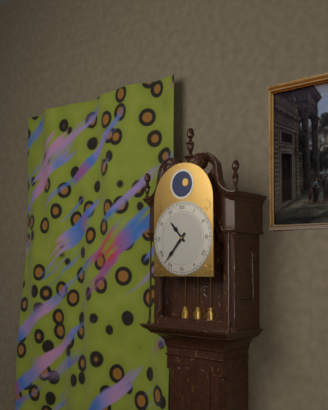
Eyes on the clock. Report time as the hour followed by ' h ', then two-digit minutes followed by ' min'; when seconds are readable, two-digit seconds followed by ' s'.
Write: 10 h 37 min
